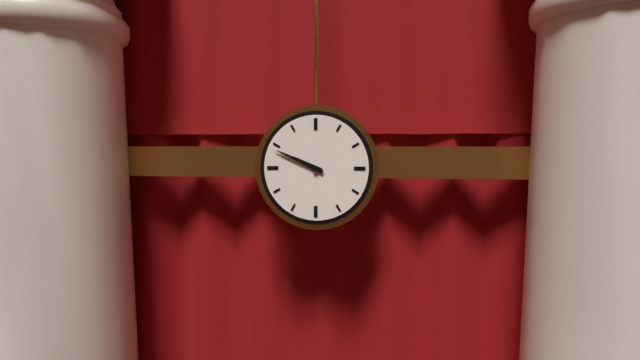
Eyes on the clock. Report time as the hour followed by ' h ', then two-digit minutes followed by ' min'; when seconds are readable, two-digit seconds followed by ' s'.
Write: 9 h 49 min
